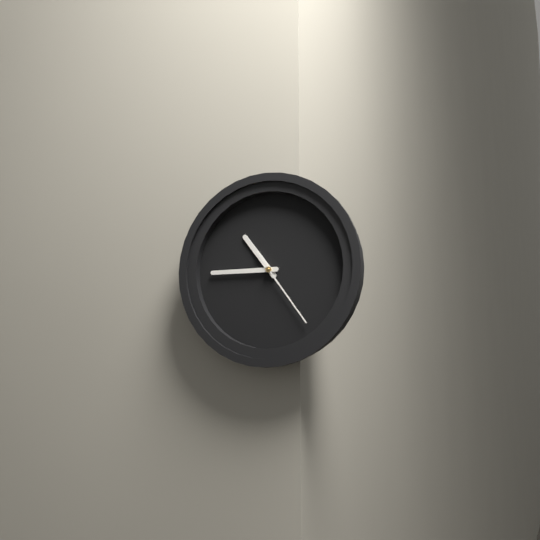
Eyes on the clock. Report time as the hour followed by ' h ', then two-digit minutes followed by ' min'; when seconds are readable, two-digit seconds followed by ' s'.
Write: 10 h 45 min 24 s
